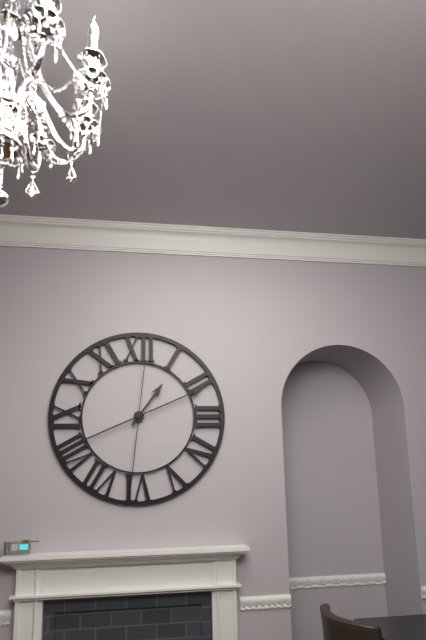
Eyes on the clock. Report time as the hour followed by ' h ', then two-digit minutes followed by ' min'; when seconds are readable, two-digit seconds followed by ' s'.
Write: 1 h 11 min 31 s
